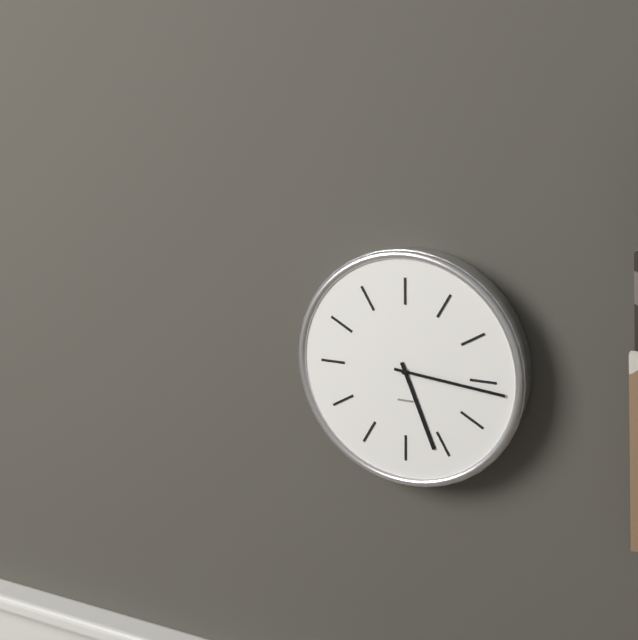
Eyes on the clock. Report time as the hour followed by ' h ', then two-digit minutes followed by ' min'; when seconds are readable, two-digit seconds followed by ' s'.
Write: 5 h 16 min
